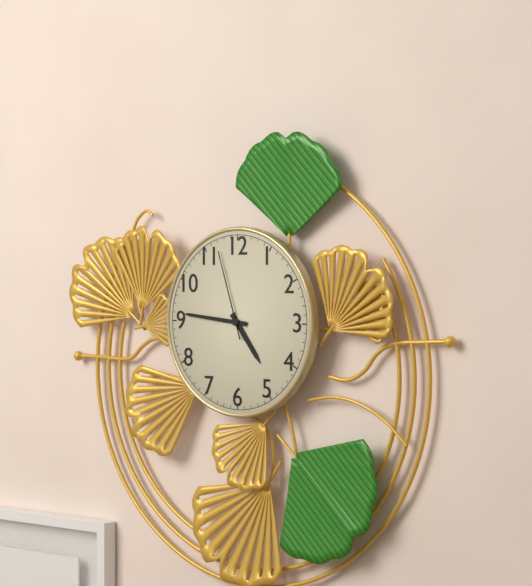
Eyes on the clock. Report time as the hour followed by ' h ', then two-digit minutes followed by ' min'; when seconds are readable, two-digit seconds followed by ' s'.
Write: 4 h 46 min 57 s
